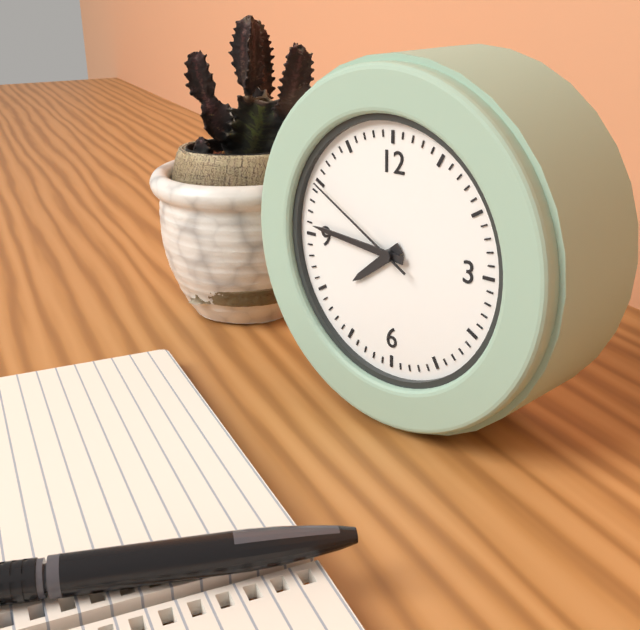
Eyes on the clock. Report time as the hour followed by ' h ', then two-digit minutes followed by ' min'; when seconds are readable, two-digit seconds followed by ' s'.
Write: 7 h 46 min 50 s
